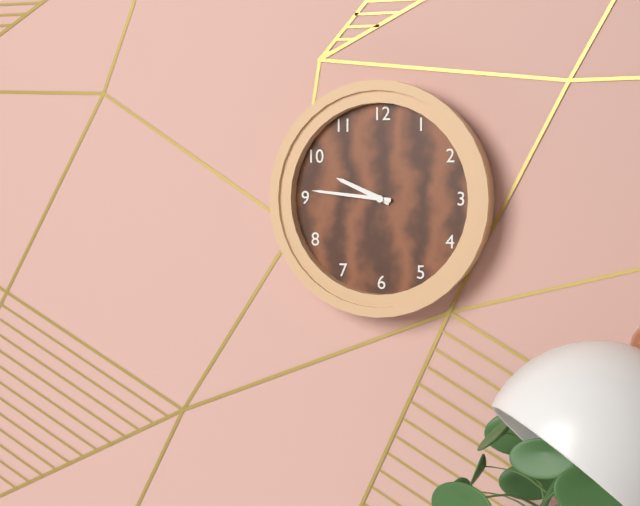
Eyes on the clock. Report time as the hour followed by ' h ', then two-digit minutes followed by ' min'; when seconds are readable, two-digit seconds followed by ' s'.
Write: 9 h 46 min
